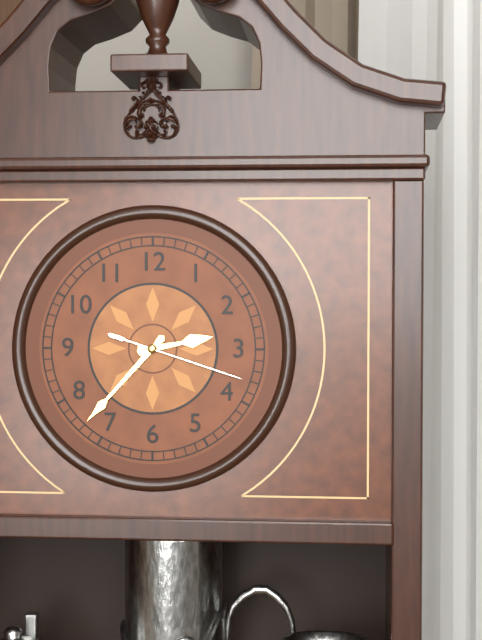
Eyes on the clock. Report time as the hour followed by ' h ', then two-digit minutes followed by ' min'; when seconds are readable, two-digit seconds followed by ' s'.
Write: 2 h 37 min 18 s
